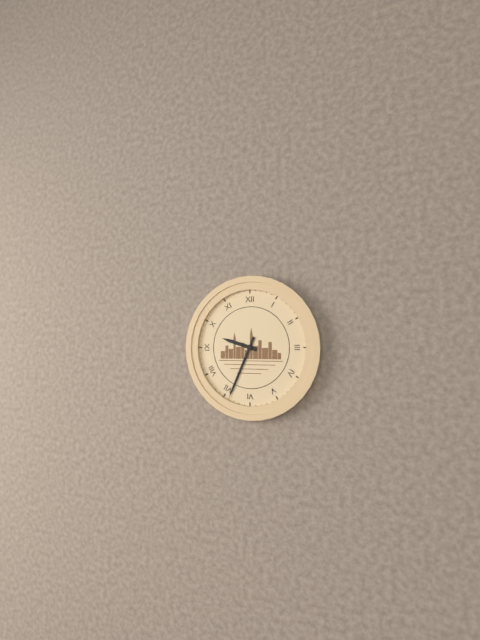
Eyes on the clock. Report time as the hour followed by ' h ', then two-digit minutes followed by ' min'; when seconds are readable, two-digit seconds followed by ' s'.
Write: 9 h 34 min
